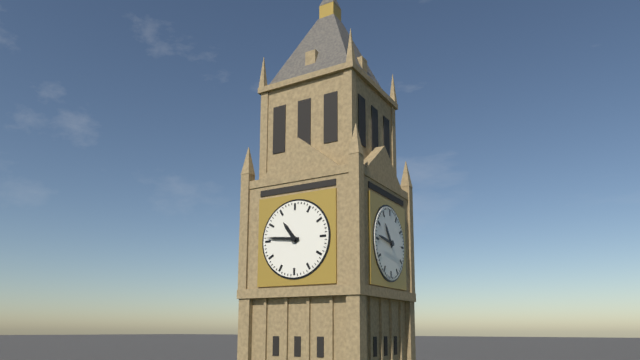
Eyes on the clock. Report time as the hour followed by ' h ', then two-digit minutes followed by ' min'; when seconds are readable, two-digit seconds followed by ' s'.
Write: 10 h 46 min
